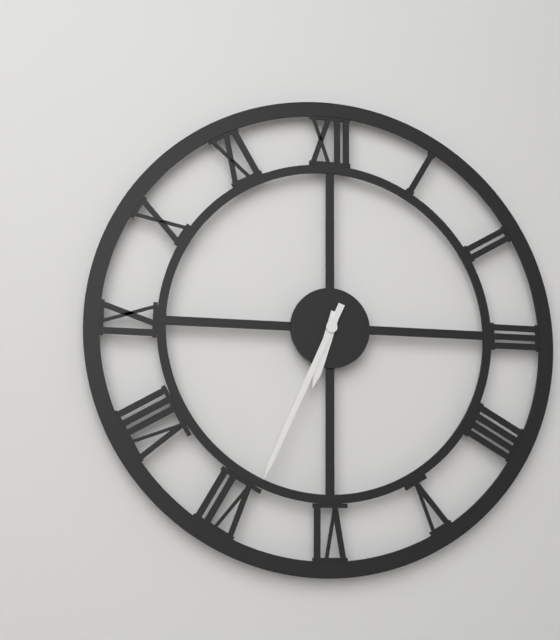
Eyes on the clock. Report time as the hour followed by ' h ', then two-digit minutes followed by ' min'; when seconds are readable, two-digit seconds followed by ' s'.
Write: 6 h 34 min
